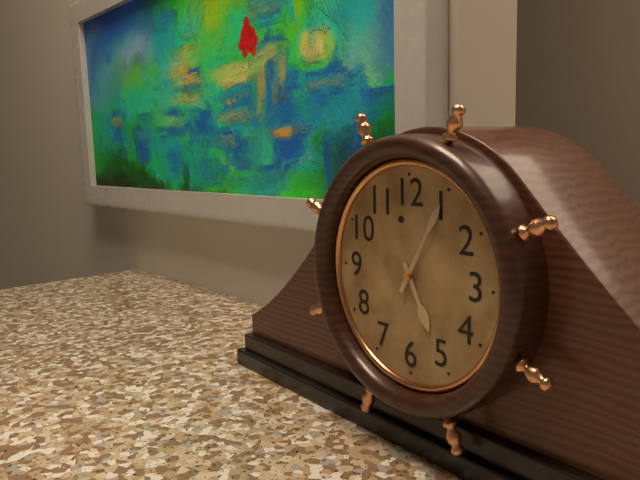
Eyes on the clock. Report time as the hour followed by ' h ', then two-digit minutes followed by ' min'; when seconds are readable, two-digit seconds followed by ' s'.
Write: 5 h 05 min
